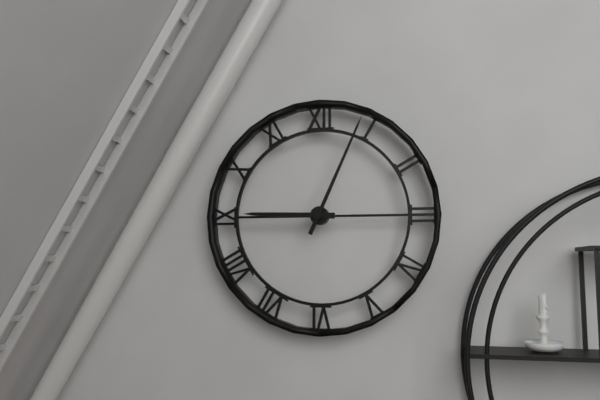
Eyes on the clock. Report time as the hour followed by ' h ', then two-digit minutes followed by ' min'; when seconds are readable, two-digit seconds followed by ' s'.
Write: 9 h 04 min
